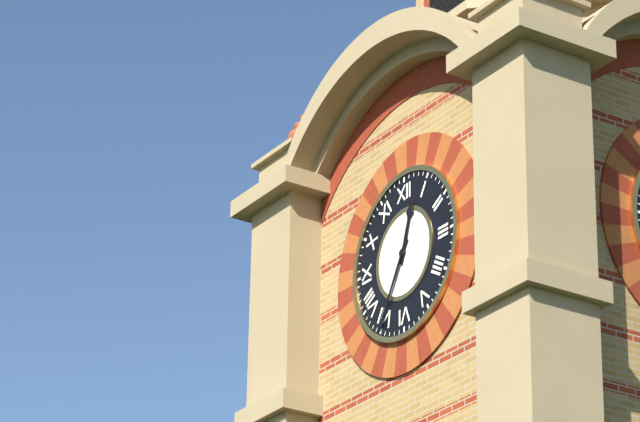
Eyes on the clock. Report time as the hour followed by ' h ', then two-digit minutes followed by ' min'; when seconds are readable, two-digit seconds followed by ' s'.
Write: 12 h 35 min
